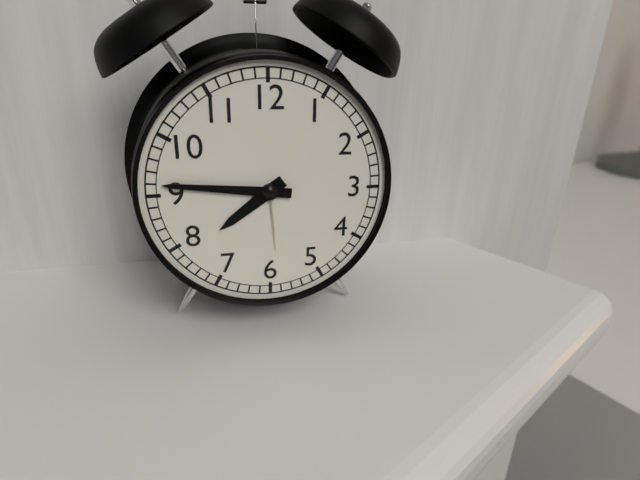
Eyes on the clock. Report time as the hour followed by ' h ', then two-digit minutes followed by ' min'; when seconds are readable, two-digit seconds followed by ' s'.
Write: 7 h 46 min
